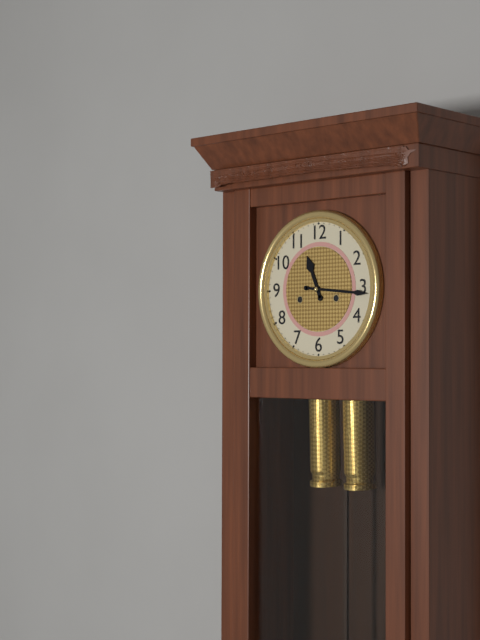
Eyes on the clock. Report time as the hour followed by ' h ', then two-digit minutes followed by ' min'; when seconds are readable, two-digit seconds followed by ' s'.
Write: 11 h 16 min
